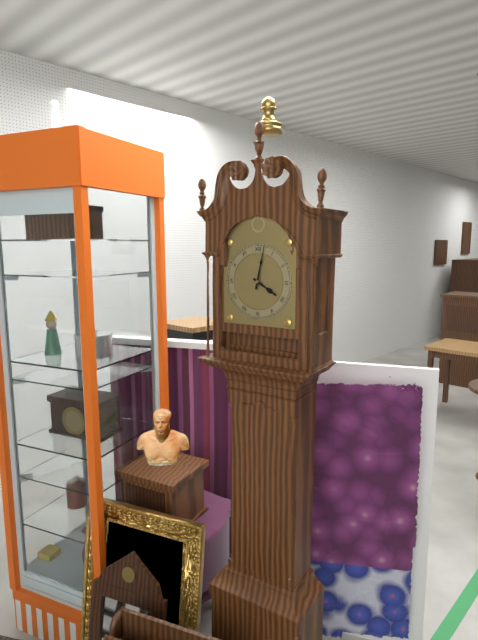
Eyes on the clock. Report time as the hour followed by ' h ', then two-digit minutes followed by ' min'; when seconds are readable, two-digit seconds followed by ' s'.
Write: 4 h 02 min
